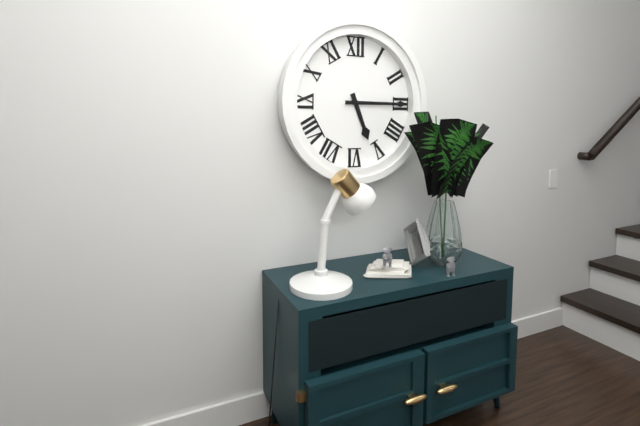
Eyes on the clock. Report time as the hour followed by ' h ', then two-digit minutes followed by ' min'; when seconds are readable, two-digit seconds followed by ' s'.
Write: 5 h 15 min
